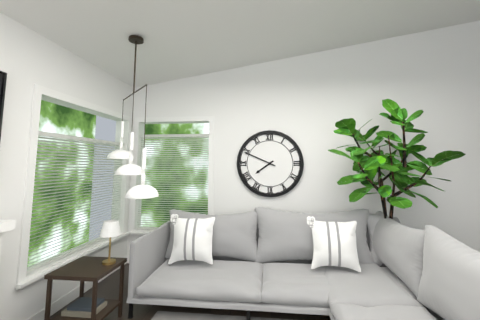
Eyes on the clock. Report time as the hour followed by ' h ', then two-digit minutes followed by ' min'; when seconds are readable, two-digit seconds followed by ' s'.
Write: 7 h 49 min
